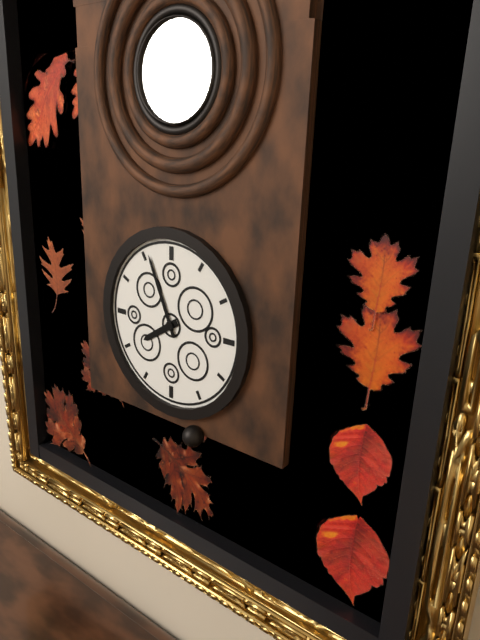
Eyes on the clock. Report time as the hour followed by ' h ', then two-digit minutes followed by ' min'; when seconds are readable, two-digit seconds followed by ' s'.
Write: 7 h 56 min
